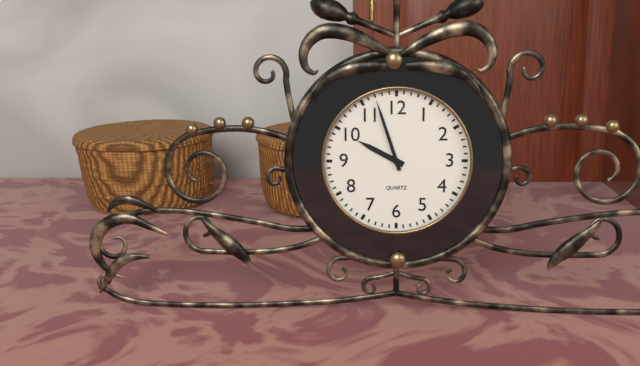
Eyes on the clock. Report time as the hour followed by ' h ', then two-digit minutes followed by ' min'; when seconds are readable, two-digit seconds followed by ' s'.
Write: 9 h 57 min
